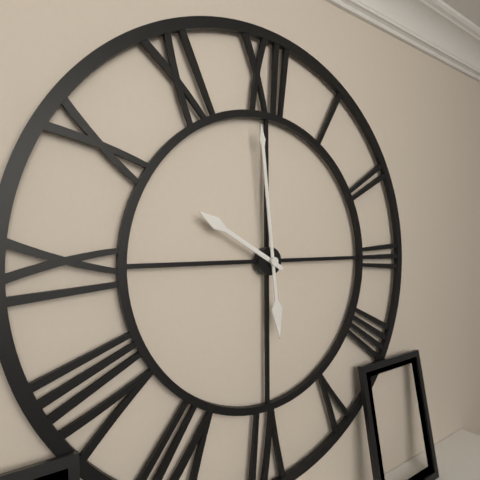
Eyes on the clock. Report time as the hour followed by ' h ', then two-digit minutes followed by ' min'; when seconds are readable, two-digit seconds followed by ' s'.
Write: 9 h 59 min
